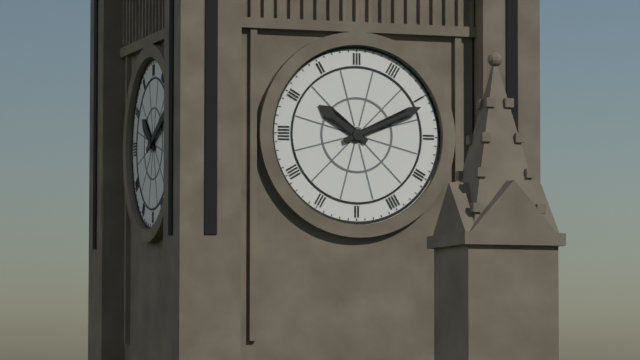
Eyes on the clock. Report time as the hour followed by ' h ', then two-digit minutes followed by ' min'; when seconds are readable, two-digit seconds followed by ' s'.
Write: 10 h 11 min
